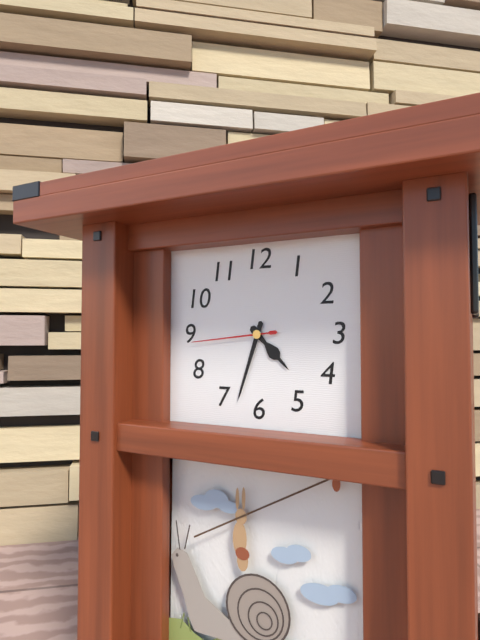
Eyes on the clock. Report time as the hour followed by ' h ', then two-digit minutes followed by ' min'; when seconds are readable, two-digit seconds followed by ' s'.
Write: 4 h 33 min 44 s
